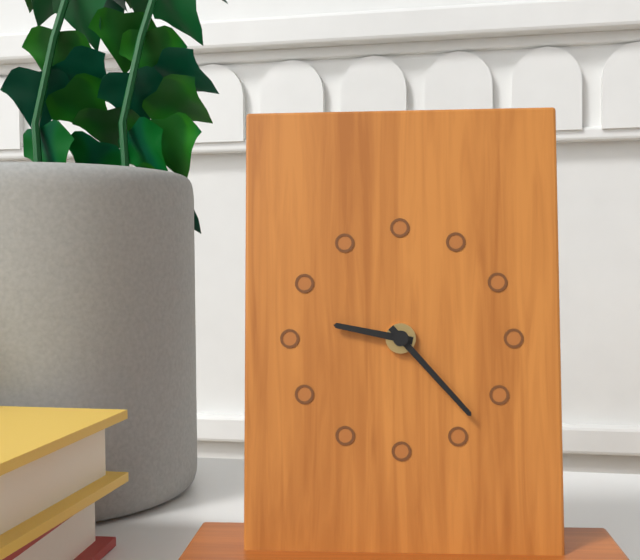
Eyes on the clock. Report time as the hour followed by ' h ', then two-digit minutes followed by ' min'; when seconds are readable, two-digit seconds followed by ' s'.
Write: 9 h 23 min
